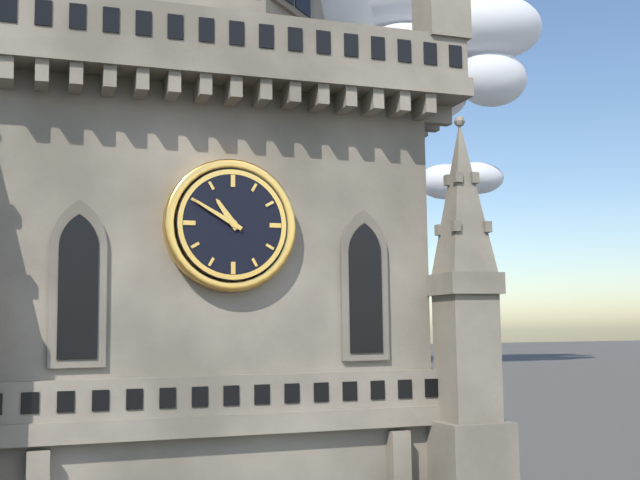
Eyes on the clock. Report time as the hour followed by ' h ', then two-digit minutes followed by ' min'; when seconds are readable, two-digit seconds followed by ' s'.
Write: 10 h 50 min
